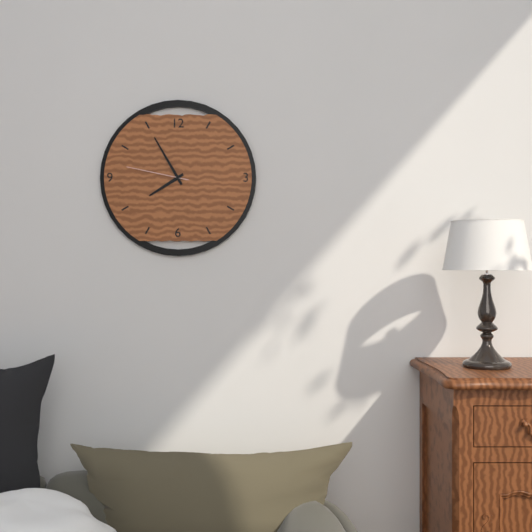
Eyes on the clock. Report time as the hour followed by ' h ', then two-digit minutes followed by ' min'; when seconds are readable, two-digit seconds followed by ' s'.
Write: 7 h 55 min 47 s
